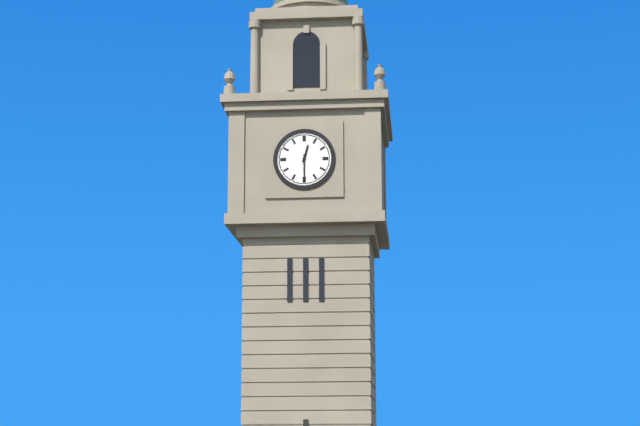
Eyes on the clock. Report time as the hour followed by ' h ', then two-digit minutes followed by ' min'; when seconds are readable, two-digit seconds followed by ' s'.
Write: 12 h 30 min
